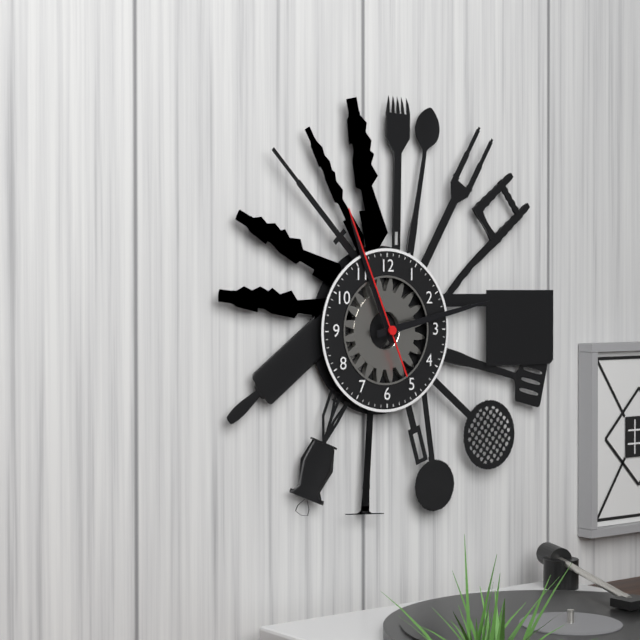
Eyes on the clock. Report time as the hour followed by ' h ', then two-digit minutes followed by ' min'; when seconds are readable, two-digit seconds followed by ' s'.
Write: 11 h 13 min 56 s
